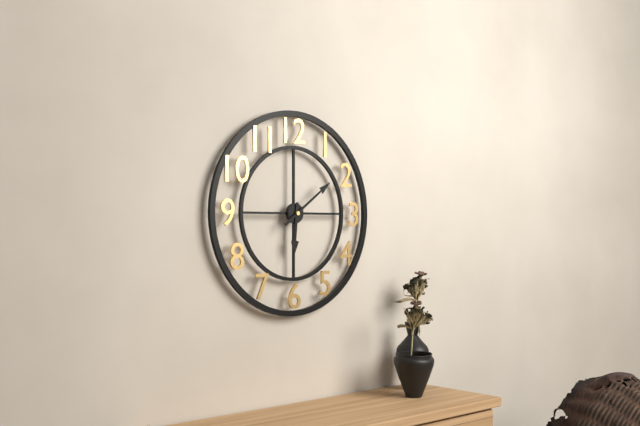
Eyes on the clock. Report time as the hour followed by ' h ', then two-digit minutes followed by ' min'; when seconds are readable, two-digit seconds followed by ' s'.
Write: 6 h 09 min
